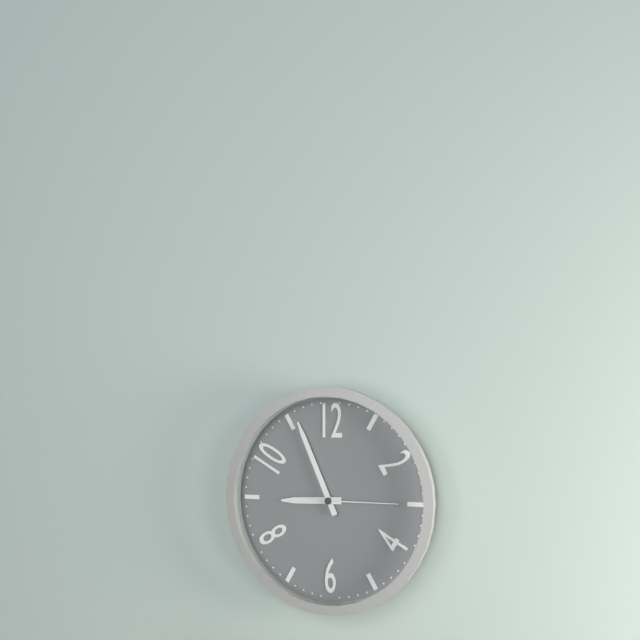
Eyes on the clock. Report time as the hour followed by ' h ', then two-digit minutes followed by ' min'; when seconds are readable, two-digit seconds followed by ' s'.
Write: 8 h 56 min 15 s
